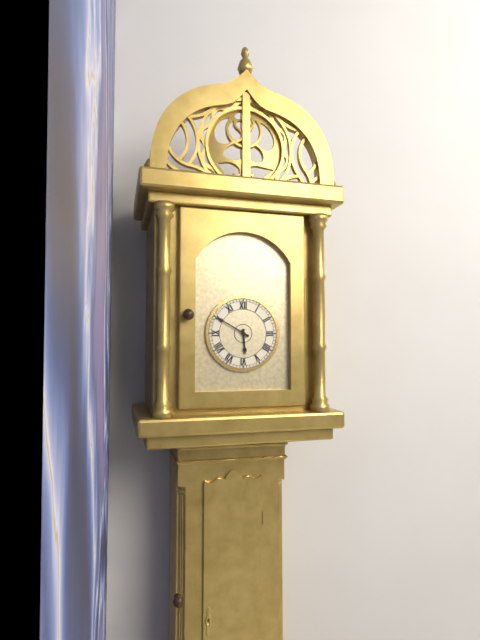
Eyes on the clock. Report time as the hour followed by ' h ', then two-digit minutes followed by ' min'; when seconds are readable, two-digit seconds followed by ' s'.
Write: 5 h 50 min
